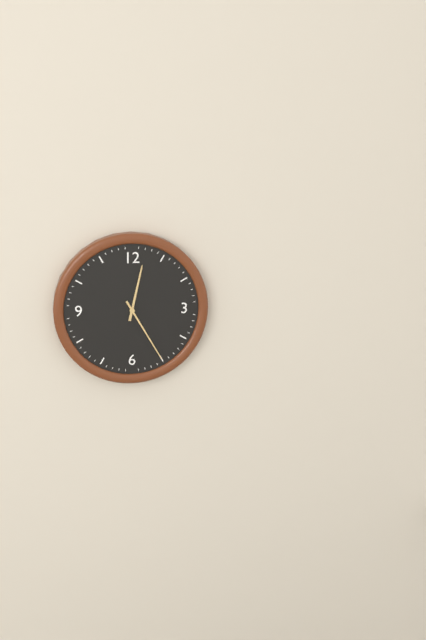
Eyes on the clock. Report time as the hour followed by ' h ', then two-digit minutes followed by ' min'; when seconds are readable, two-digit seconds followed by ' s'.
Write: 12 h 25 min
